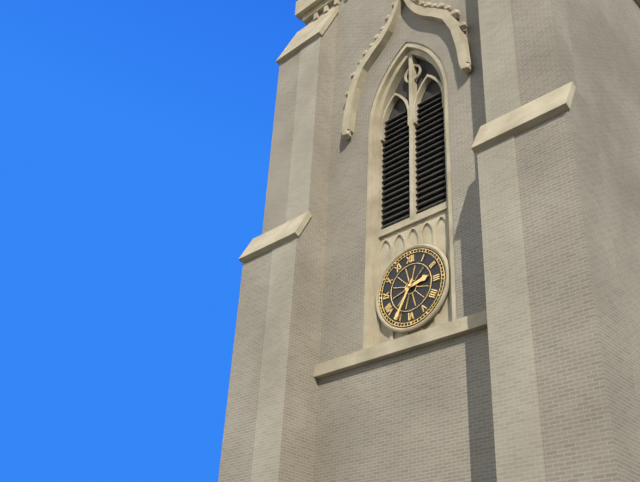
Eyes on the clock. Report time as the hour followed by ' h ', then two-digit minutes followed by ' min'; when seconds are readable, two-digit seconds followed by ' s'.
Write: 2 h 35 min
